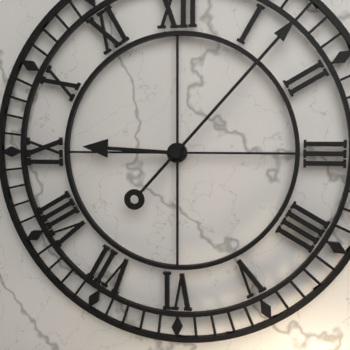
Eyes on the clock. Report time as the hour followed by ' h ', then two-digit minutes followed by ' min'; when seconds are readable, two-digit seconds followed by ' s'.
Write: 9 h 07 min
